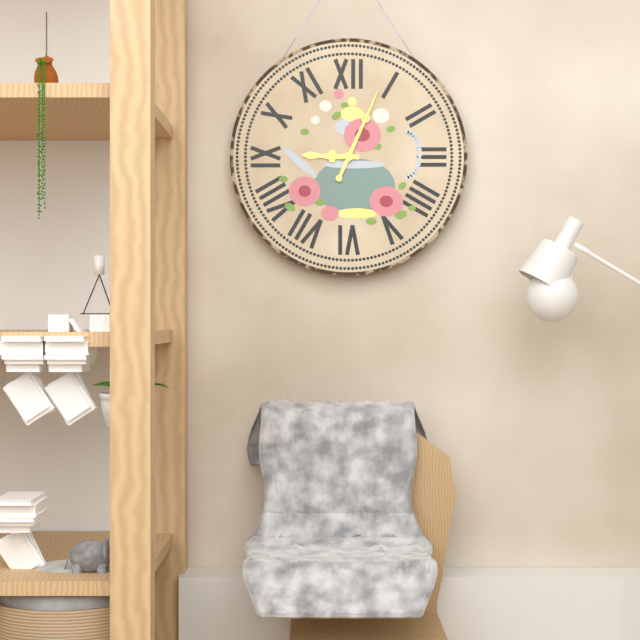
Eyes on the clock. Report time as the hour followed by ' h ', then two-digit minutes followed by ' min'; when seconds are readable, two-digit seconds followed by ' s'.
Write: 9 h 04 min
